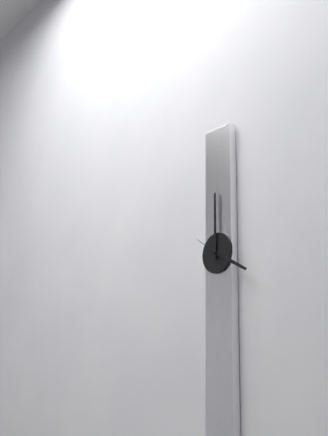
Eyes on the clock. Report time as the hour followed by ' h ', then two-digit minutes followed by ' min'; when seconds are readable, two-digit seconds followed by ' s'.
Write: 4 h 00 min
